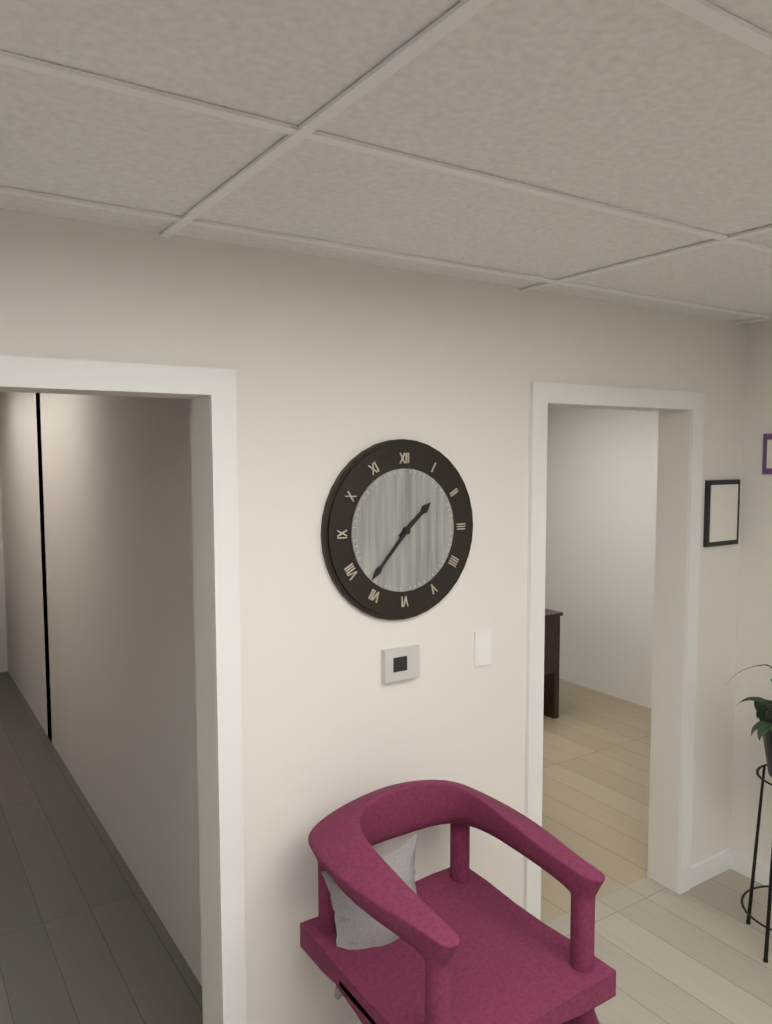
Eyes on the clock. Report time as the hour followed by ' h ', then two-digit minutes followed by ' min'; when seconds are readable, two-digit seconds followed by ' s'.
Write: 1 h 37 min
